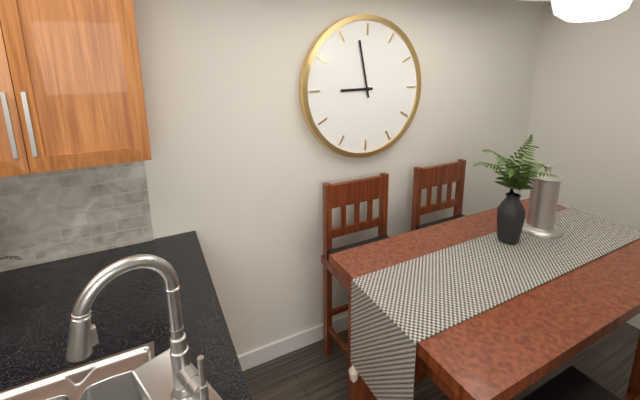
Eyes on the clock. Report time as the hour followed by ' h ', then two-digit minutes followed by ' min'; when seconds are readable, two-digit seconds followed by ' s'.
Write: 8 h 58 min
